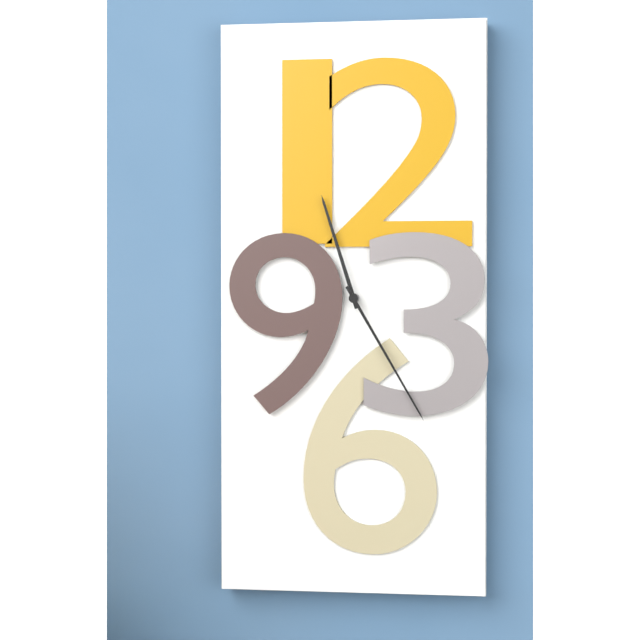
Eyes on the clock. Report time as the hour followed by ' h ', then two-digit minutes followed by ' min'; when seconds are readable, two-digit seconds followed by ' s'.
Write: 11 h 25 min
